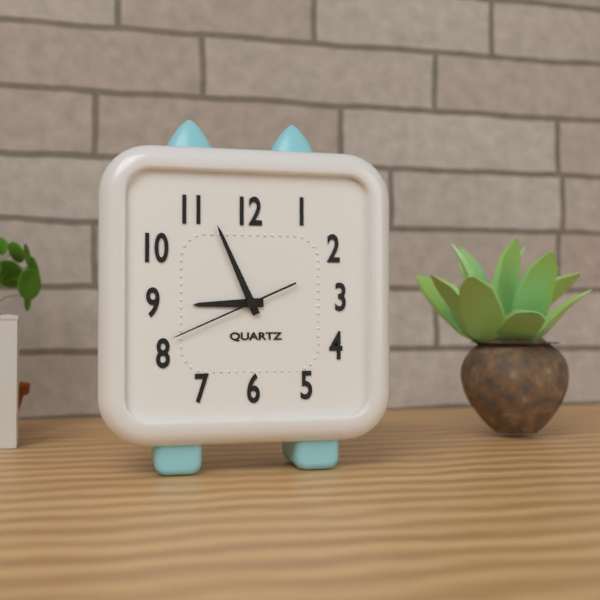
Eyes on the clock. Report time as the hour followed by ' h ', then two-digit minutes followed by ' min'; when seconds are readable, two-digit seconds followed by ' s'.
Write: 8 h 56 min 41 s
